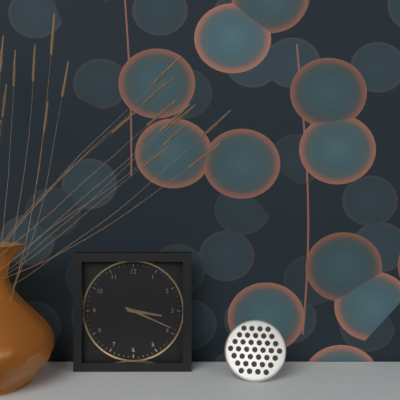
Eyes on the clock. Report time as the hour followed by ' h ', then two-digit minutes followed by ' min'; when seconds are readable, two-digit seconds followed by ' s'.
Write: 3 h 19 min
